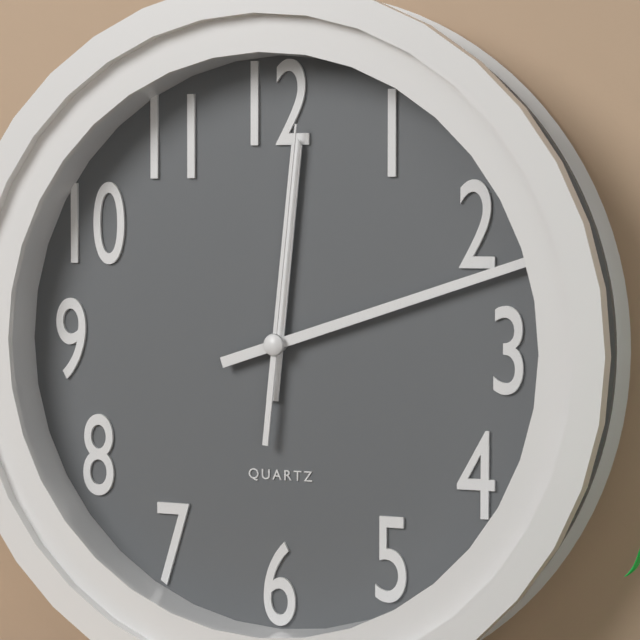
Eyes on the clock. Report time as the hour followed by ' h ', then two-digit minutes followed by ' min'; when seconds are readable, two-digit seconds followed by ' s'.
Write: 12 h 12 min 01 s
